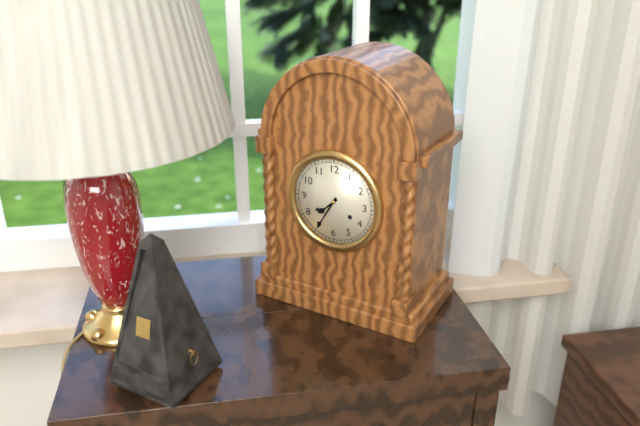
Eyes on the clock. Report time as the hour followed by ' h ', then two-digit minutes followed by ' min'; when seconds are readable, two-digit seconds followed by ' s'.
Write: 7 h 35 min
